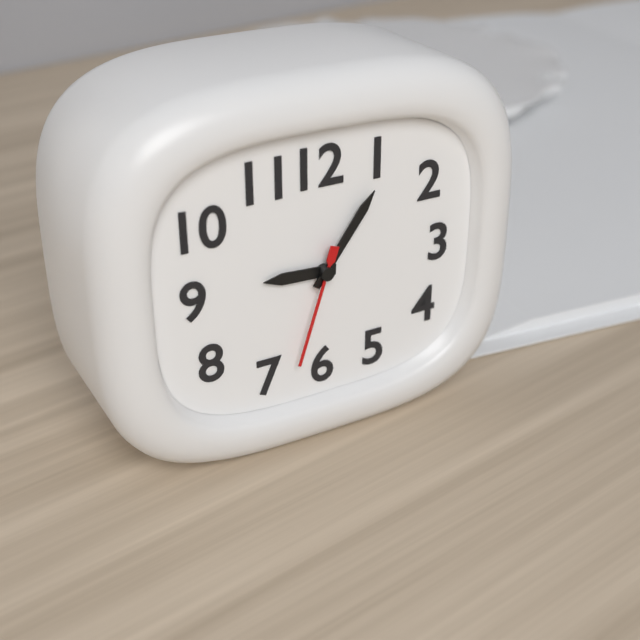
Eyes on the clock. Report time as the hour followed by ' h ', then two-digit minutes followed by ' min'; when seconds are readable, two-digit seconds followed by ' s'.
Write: 9 h 06 min 33 s
